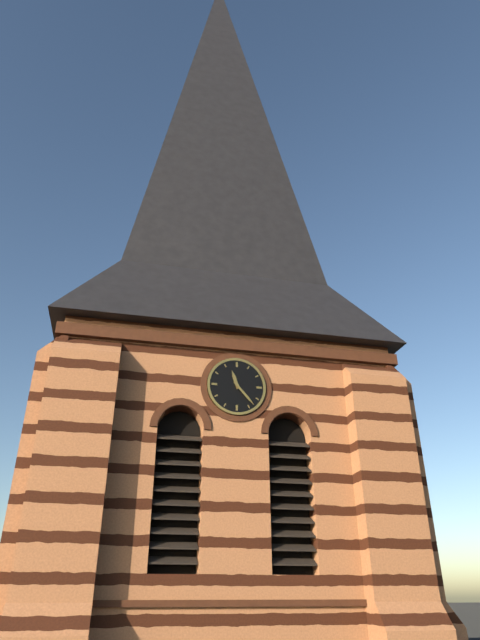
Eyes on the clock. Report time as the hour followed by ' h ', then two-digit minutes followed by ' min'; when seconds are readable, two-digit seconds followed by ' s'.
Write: 11 h 23 min
